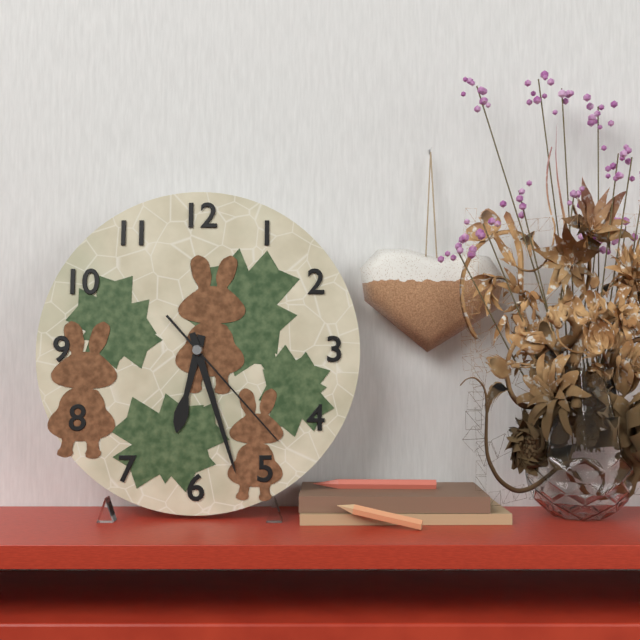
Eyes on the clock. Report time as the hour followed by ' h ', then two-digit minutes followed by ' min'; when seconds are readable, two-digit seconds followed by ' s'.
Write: 6 h 27 min 23 s
